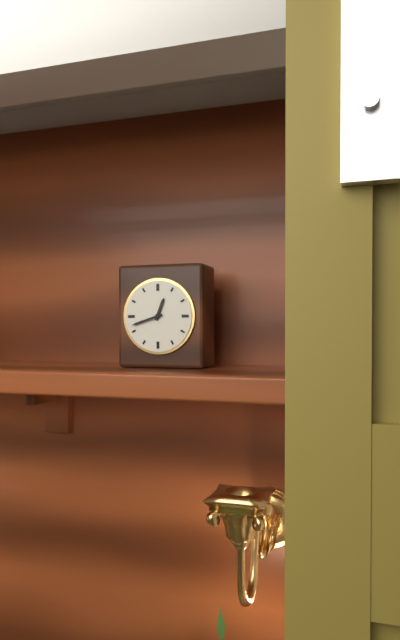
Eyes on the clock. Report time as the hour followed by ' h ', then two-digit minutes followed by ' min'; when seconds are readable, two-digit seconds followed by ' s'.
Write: 12 h 42 min
